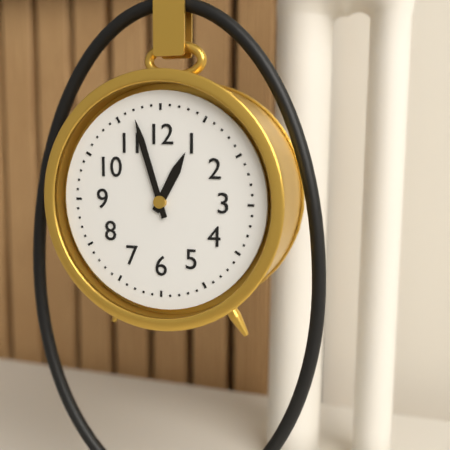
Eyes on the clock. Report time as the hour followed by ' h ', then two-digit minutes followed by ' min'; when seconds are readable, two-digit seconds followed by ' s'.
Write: 12 h 57 min
